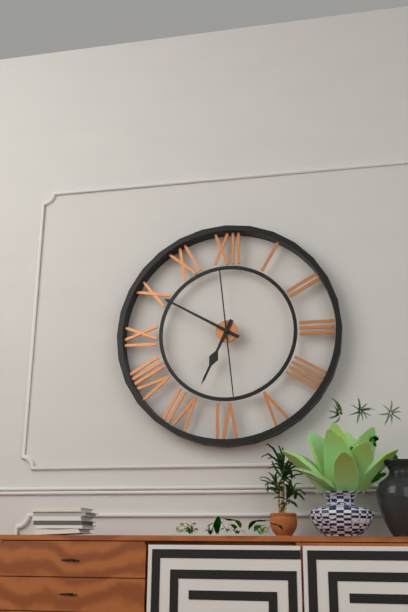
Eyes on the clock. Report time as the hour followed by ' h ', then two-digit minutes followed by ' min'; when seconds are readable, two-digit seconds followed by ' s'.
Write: 6 h 50 min 29 s
